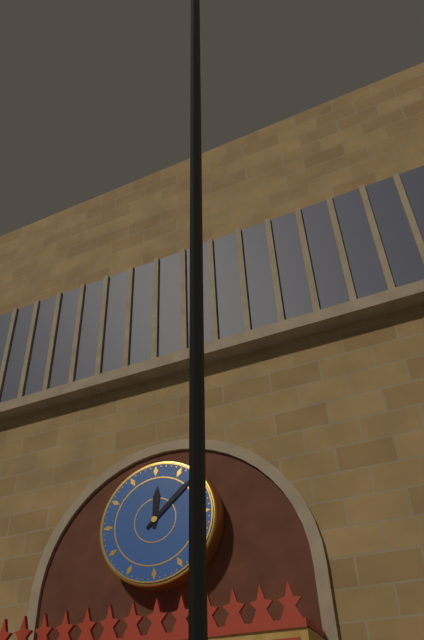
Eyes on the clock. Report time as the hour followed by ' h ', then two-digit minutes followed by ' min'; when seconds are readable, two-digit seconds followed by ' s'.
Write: 12 h 08 min
